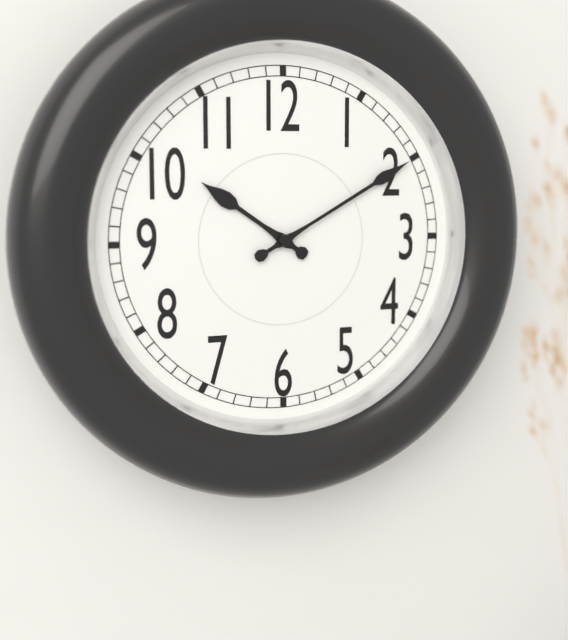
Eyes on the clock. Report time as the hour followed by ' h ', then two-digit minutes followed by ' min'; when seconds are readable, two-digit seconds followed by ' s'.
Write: 10 h 10 min
